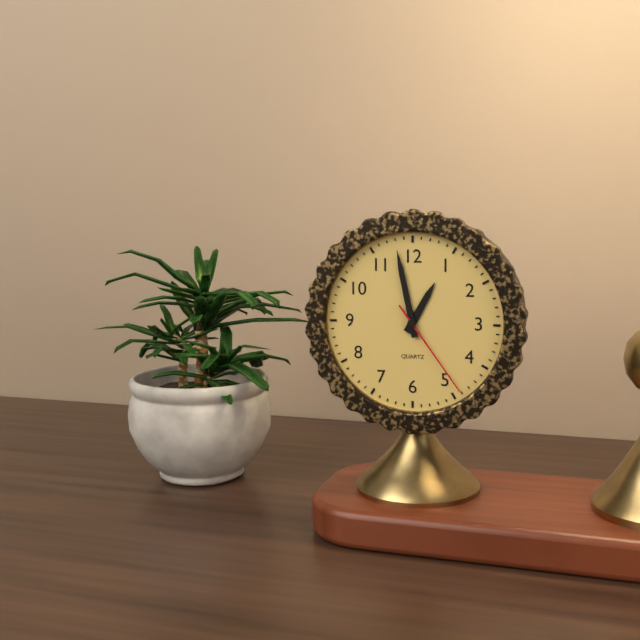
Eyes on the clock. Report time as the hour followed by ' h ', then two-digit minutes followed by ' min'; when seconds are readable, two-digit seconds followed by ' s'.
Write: 12 h 58 min 24 s
